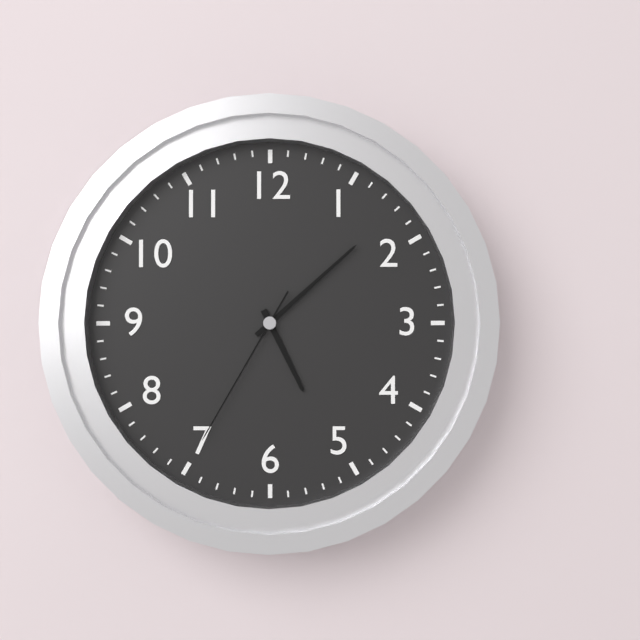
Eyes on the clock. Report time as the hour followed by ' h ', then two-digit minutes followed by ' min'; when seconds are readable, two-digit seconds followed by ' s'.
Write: 5 h 08 min 35 s
